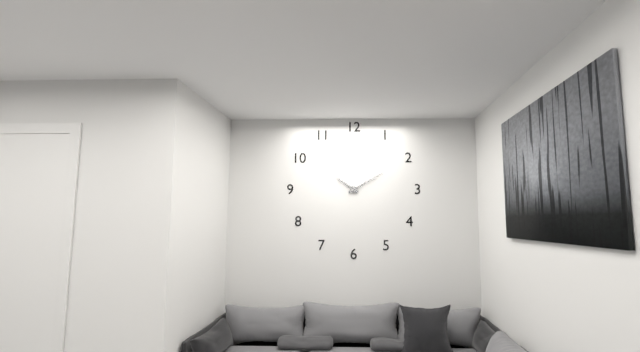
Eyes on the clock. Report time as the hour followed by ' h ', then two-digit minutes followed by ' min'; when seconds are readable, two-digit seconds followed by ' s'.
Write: 10 h 10 min
